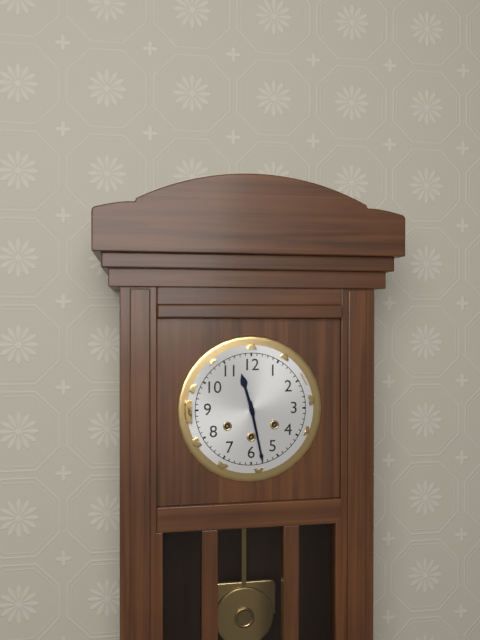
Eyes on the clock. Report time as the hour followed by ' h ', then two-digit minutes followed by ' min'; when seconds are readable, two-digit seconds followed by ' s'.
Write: 11 h 28 min
